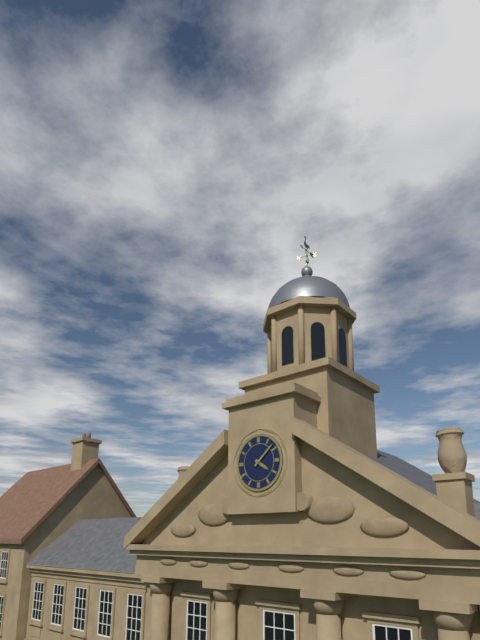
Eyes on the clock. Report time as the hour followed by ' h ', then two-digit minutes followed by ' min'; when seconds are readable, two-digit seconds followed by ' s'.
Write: 4 h 08 min
